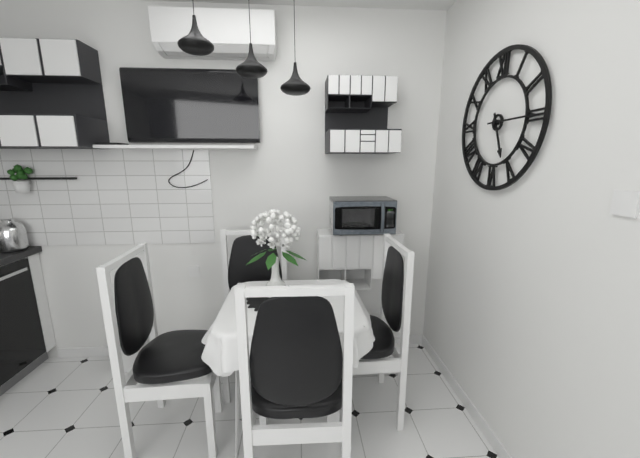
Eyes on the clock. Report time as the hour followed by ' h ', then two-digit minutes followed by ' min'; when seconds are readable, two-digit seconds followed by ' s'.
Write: 5 h 15 min
